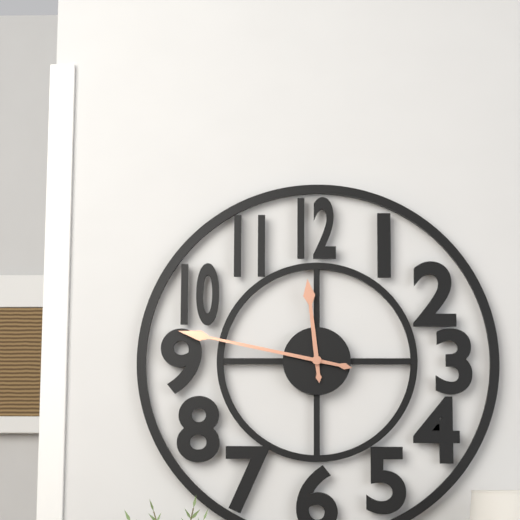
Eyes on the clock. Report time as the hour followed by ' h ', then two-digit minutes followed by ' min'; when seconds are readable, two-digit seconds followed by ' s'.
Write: 11 h 47 min
